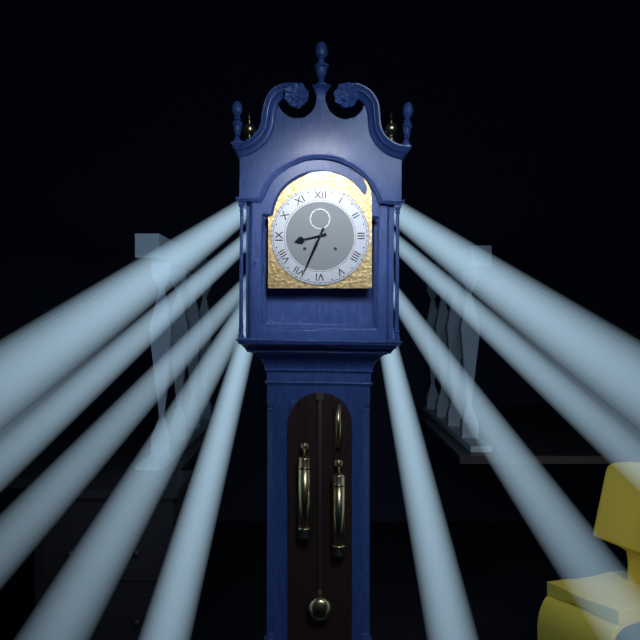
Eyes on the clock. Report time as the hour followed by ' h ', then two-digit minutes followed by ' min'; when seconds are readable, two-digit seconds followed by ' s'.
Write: 8 h 34 min
